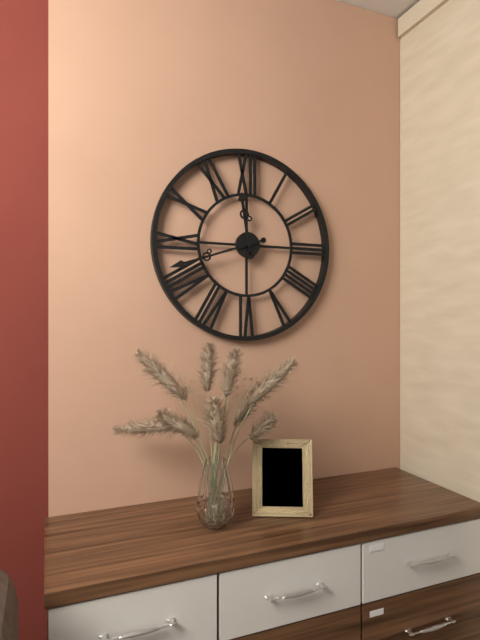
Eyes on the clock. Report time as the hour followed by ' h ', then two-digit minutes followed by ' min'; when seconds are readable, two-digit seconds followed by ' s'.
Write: 11 h 42 min
